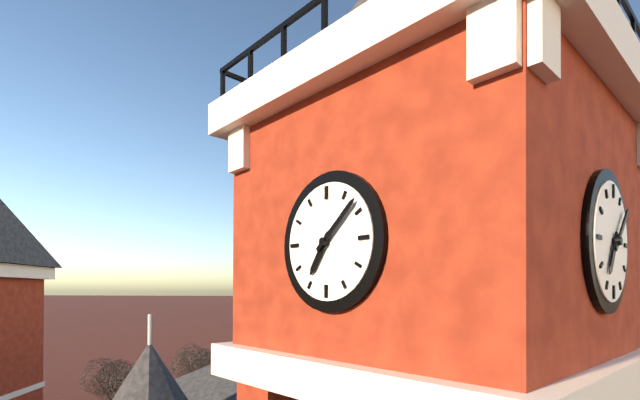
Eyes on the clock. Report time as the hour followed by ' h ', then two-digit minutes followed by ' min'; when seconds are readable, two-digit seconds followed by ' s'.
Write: 7 h 08 min
